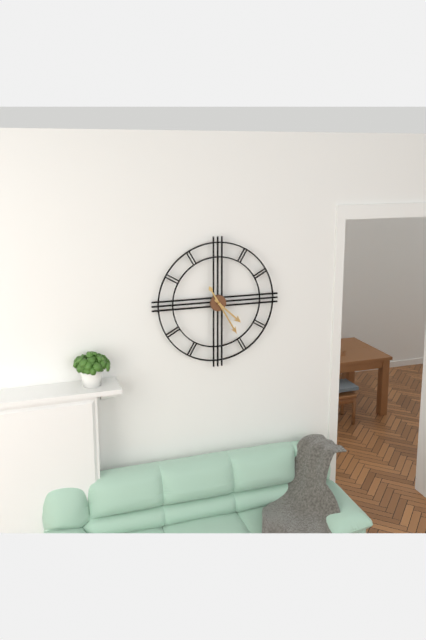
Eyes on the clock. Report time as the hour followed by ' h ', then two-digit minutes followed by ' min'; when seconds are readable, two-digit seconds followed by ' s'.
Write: 4 h 25 min
